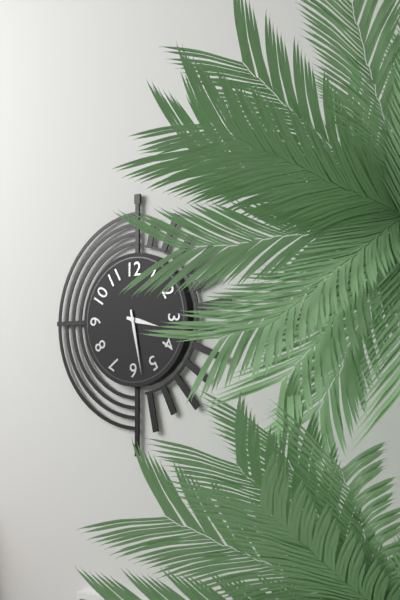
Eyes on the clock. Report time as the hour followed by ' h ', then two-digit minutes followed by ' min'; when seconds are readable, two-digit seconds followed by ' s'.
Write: 3 h 28 min
